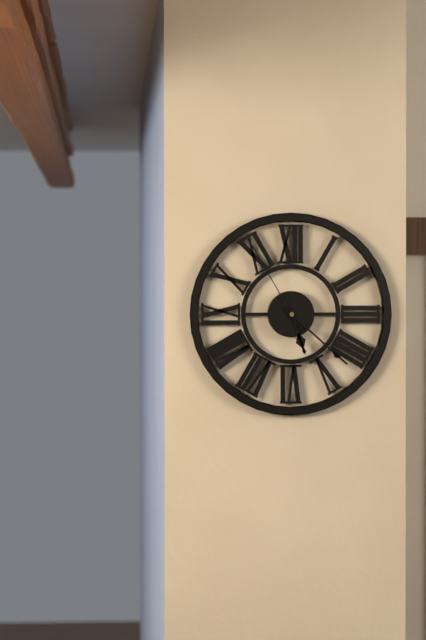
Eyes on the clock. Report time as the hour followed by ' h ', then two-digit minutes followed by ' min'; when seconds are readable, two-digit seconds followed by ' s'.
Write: 5 h 22 min 55 s
